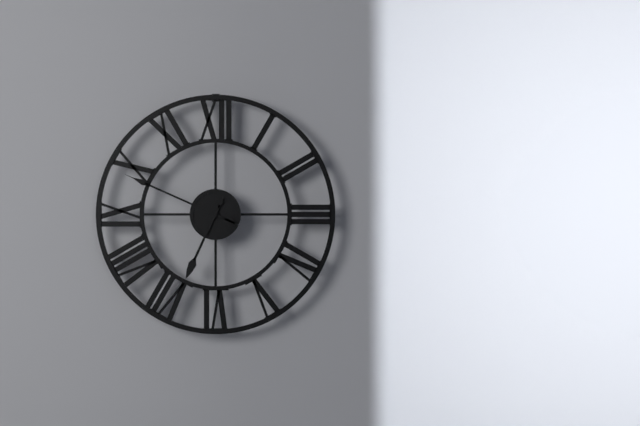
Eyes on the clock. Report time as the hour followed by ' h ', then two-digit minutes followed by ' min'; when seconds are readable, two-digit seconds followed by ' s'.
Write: 6 h 49 min
